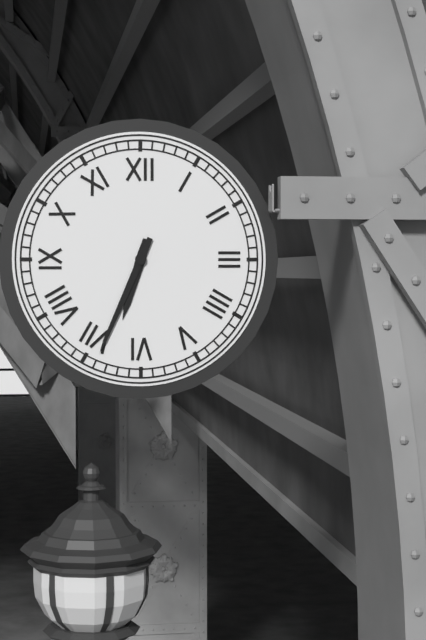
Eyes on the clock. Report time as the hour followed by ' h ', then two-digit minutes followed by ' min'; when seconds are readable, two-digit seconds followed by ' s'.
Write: 6 h 34 min
